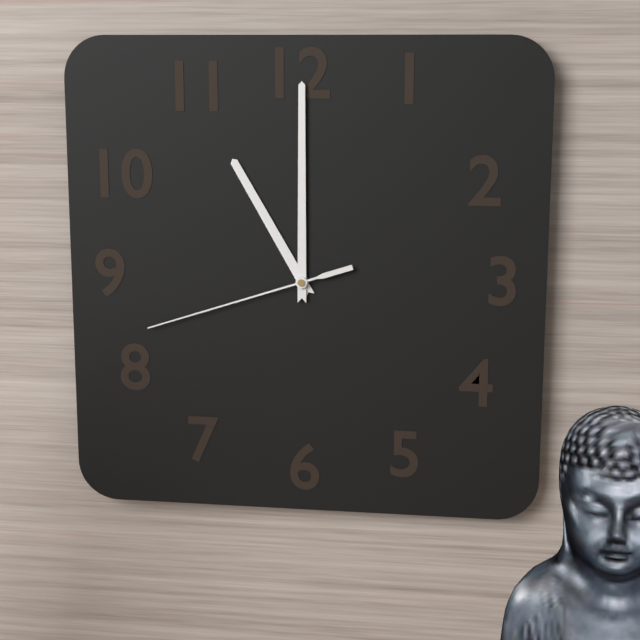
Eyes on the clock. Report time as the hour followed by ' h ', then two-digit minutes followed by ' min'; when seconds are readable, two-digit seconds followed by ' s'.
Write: 11 h 00 min 42 s
